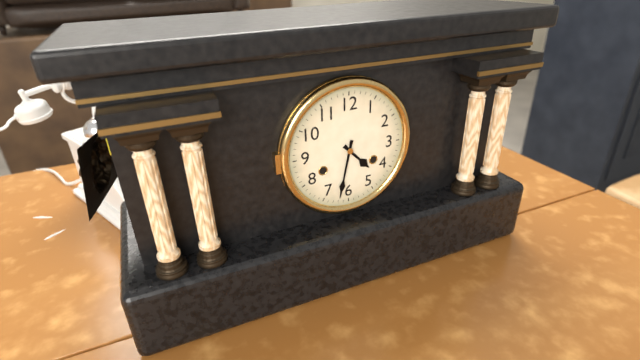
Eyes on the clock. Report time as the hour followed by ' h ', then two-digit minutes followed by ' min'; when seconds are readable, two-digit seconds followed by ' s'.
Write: 4 h 32 min
